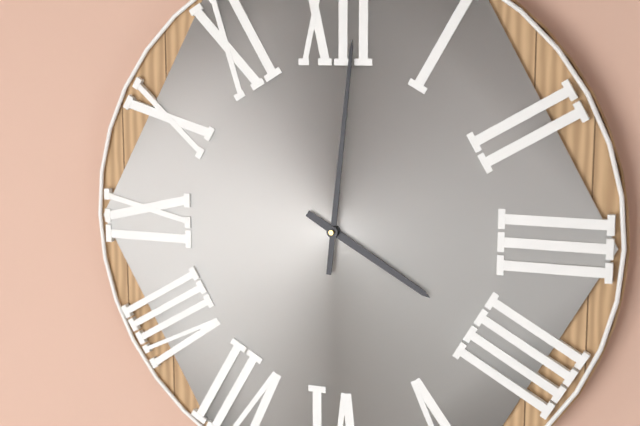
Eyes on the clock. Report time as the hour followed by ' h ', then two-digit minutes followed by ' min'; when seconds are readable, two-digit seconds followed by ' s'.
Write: 4 h 01 min
